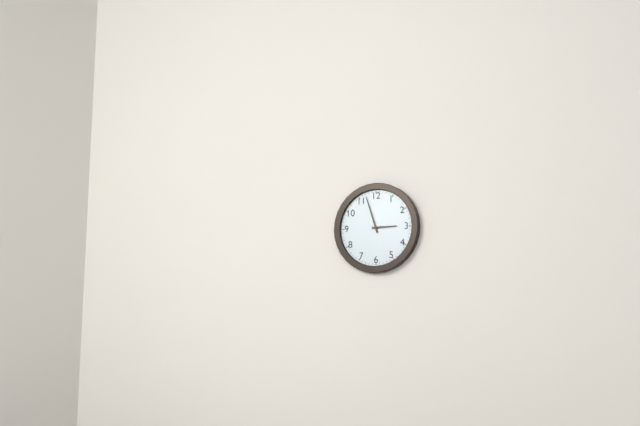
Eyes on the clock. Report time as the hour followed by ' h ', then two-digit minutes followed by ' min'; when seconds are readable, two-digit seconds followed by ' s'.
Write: 2 h 57 min
